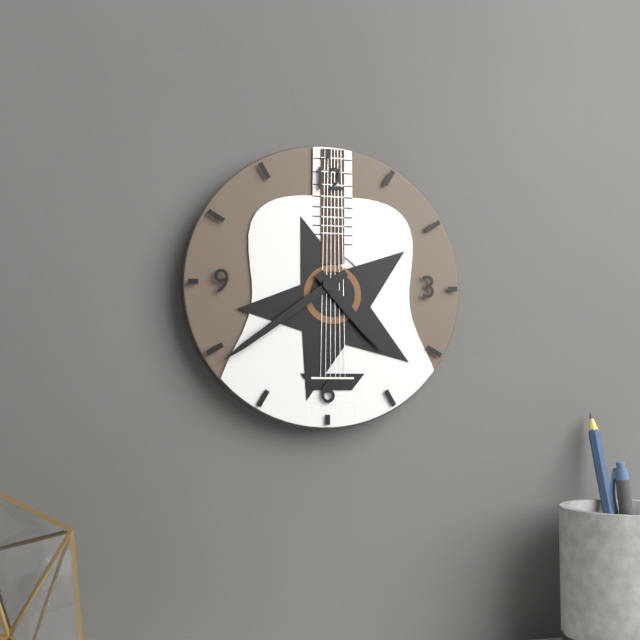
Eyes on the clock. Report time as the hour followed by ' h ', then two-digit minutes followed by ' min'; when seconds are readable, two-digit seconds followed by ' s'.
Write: 4 h 39 min
